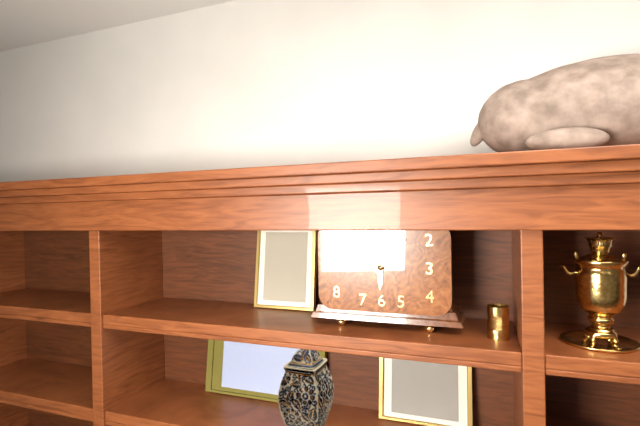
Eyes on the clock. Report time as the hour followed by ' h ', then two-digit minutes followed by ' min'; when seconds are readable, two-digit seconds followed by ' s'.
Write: 6 h 07 min
